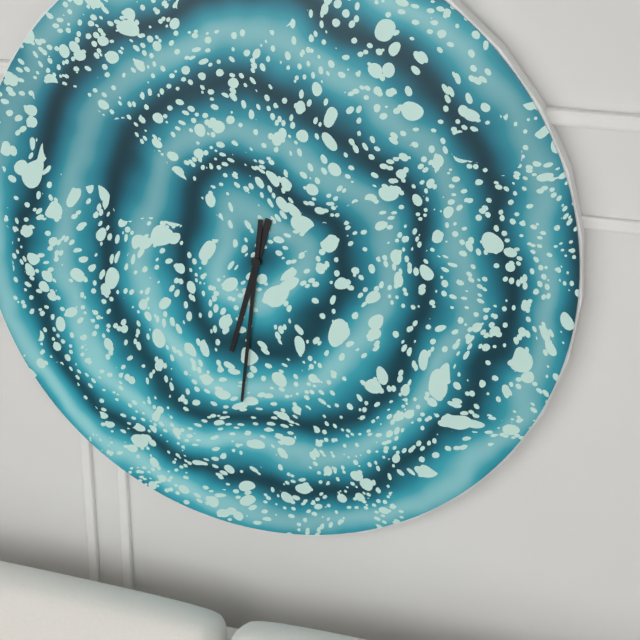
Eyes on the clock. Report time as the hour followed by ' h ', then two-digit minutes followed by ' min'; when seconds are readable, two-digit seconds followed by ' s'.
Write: 6 h 31 min
